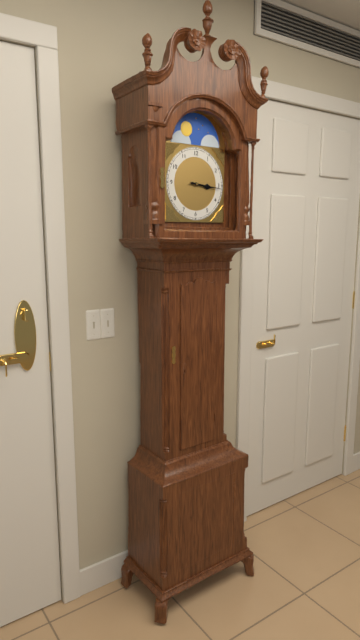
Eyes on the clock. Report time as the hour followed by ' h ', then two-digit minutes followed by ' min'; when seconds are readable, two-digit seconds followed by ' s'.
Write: 3 h 16 min
